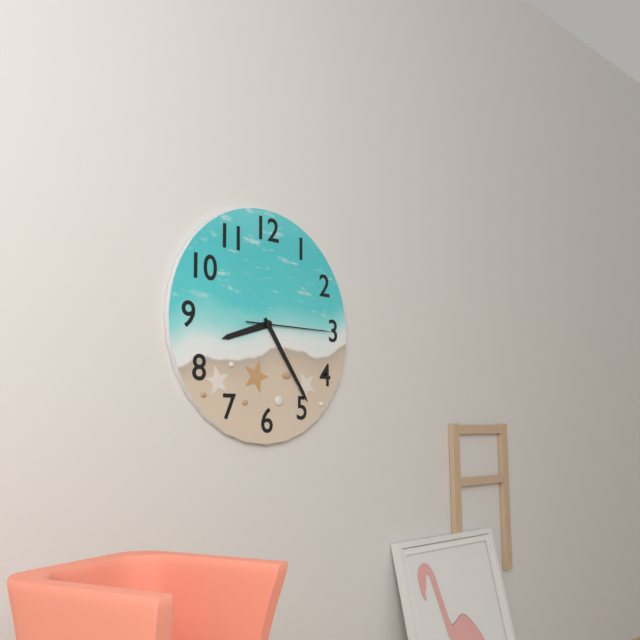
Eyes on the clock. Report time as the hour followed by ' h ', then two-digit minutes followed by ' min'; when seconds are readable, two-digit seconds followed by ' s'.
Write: 8 h 24 min 15 s
